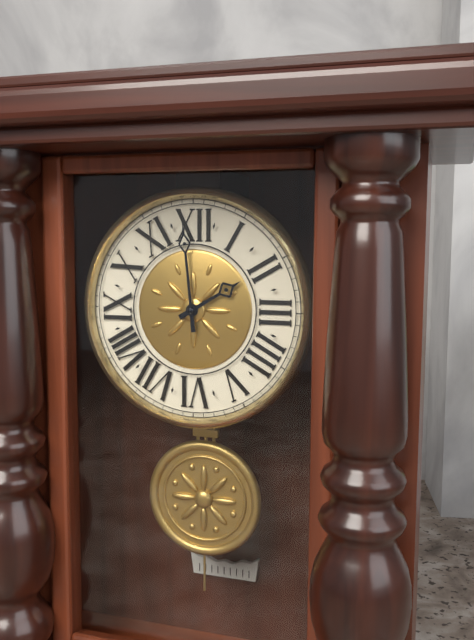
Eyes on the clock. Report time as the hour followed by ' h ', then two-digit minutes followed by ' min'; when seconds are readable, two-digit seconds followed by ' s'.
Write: 1 h 59 min
